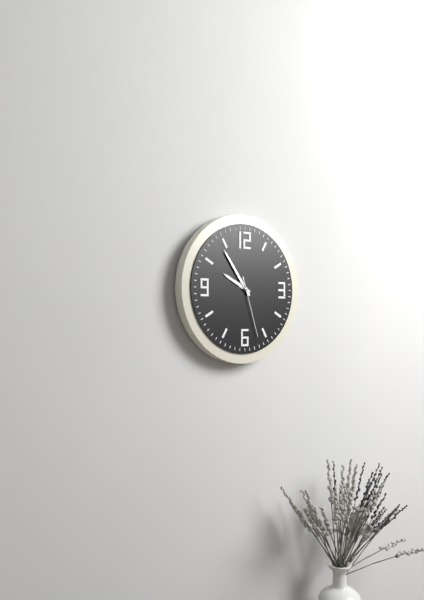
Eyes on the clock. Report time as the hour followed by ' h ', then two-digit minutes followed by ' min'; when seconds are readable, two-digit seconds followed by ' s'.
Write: 9 h 54 min 27 s
